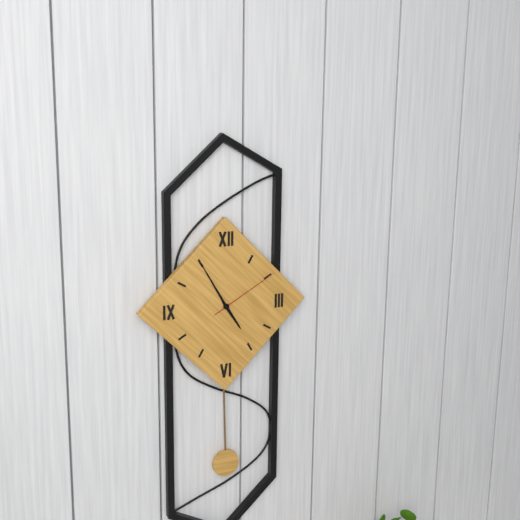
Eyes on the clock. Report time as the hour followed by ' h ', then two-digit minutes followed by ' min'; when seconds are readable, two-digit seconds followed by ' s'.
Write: 4 h 55 min 10 s
